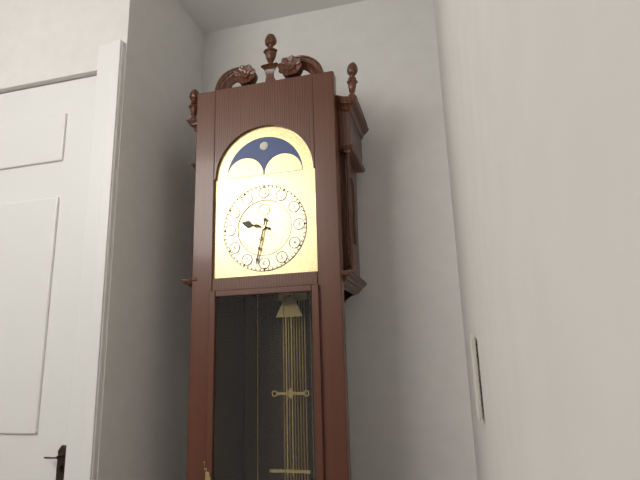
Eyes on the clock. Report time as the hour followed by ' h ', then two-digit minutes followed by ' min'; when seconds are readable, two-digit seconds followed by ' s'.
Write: 9 h 32 min
